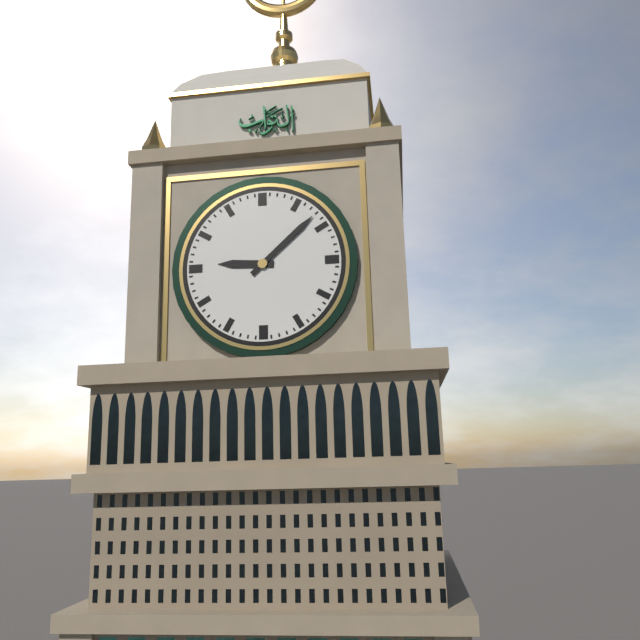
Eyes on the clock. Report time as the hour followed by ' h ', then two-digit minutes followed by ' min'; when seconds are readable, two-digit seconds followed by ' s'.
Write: 9 h 08 min
